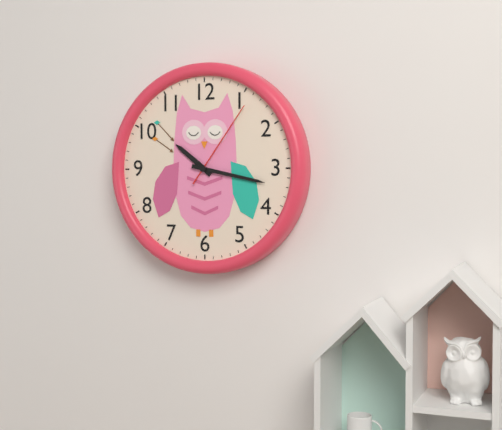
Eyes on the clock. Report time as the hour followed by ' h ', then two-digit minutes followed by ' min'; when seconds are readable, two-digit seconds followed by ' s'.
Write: 10 h 17 min 06 s
